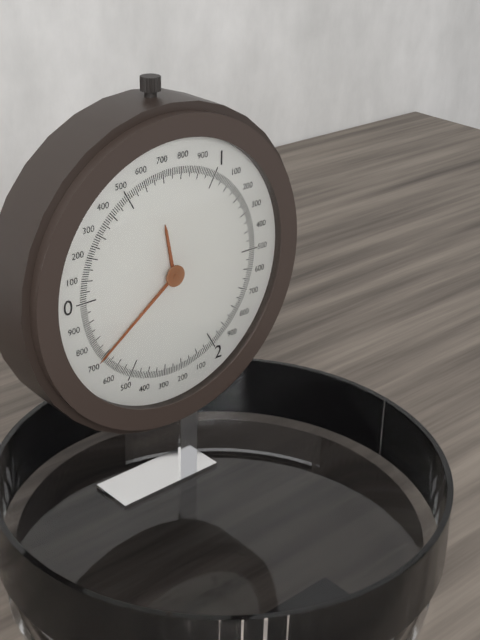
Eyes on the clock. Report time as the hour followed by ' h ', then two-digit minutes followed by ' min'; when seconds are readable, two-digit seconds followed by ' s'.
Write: 11 h 39 min
